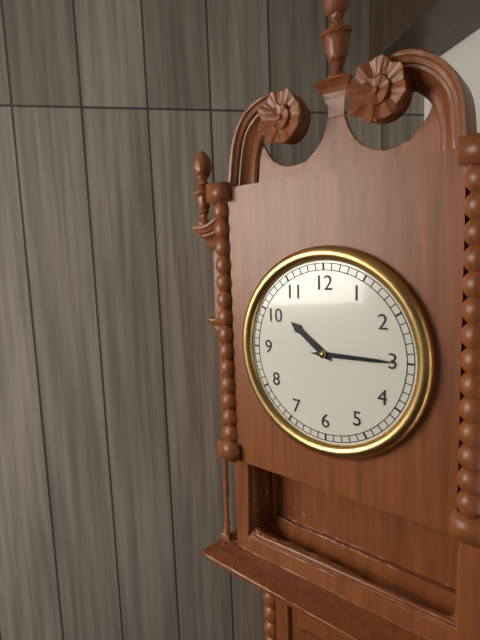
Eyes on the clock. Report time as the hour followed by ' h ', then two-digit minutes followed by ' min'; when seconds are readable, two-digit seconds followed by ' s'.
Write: 10 h 15 min
